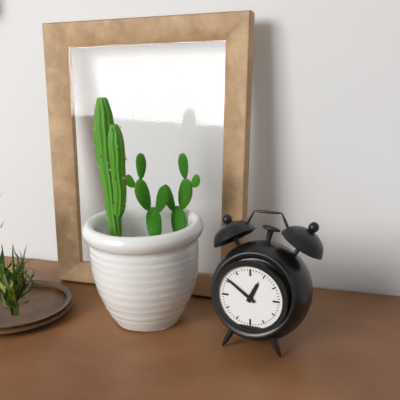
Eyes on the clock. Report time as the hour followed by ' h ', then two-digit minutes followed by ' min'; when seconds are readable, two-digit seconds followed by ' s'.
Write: 12 h 51 min
